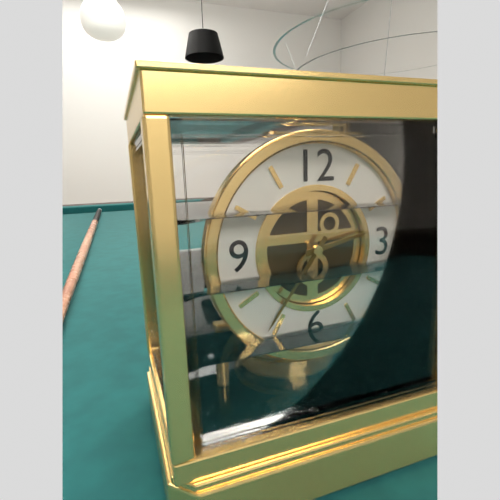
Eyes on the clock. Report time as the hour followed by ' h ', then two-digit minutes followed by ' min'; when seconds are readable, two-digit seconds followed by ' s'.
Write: 2 h 36 min
